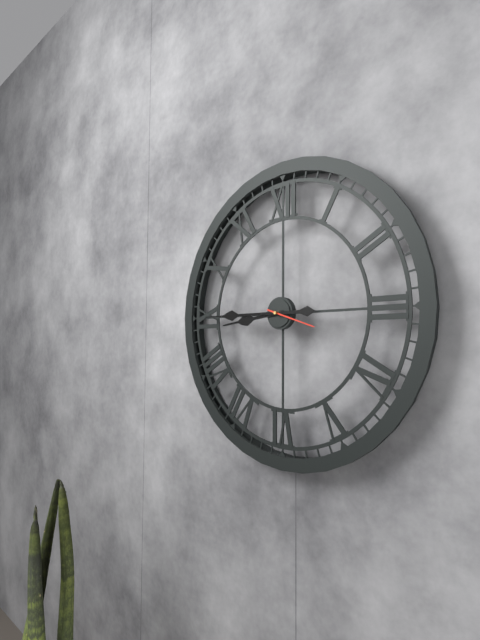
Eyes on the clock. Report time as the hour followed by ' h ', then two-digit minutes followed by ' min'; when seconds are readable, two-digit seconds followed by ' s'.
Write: 8 h 45 min
